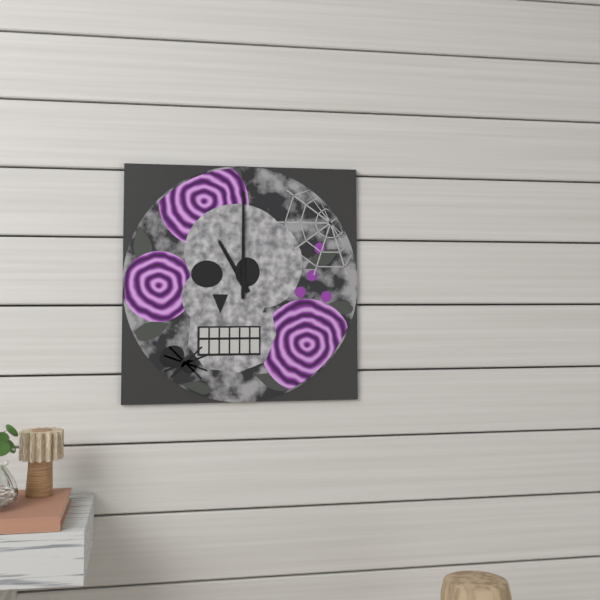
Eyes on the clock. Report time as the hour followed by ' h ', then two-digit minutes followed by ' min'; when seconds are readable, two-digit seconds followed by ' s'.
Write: 11 h 00 min
